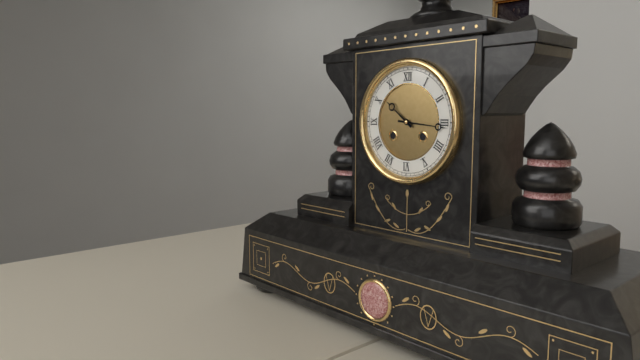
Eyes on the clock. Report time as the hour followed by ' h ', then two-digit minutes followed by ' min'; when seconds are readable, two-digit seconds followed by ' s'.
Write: 10 h 16 min
